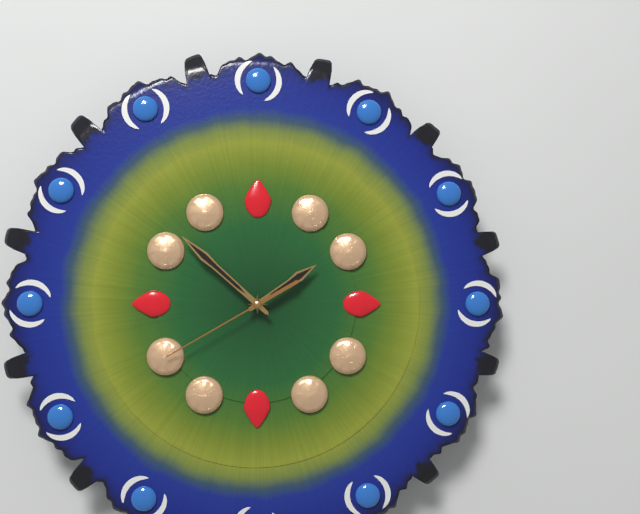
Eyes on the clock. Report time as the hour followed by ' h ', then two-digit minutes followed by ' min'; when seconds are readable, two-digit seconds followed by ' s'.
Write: 1 h 52 min 40 s
